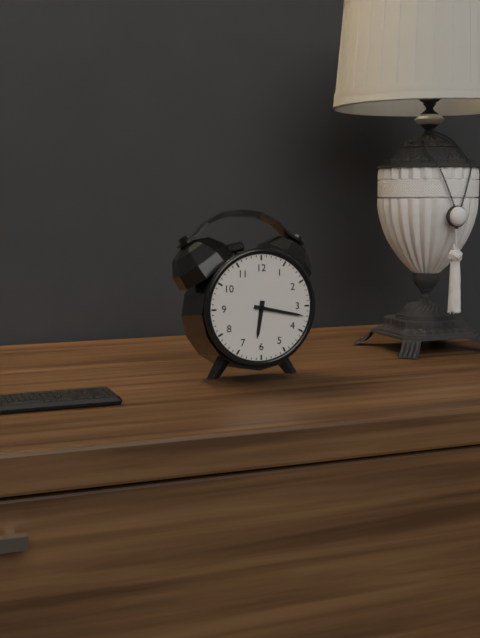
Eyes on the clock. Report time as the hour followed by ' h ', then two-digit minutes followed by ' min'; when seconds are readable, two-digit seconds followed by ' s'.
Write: 6 h 17 min
